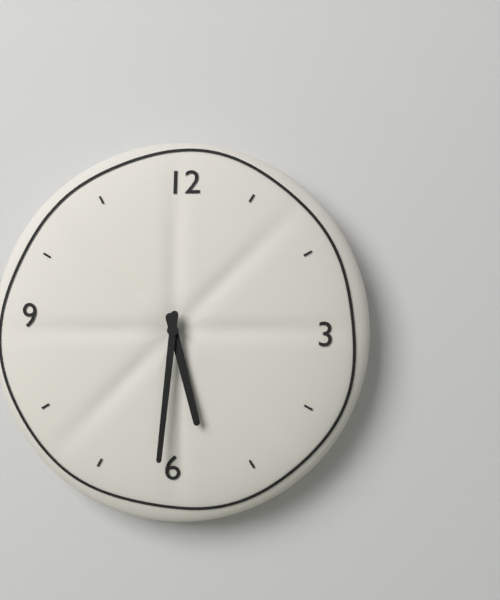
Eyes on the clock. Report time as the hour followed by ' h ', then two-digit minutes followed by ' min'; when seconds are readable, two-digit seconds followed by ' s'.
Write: 5 h 31 min
